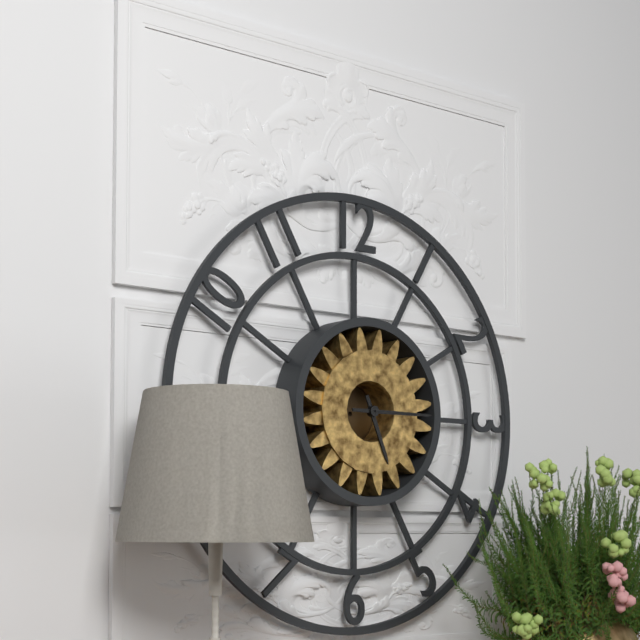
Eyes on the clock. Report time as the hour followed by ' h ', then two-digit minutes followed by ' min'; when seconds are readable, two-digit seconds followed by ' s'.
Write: 5 h 15 min
